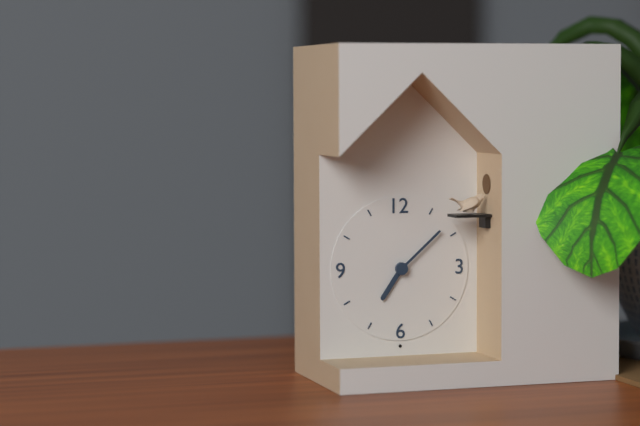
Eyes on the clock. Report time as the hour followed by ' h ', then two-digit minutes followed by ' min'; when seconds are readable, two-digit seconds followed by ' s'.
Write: 7 h 08 min
